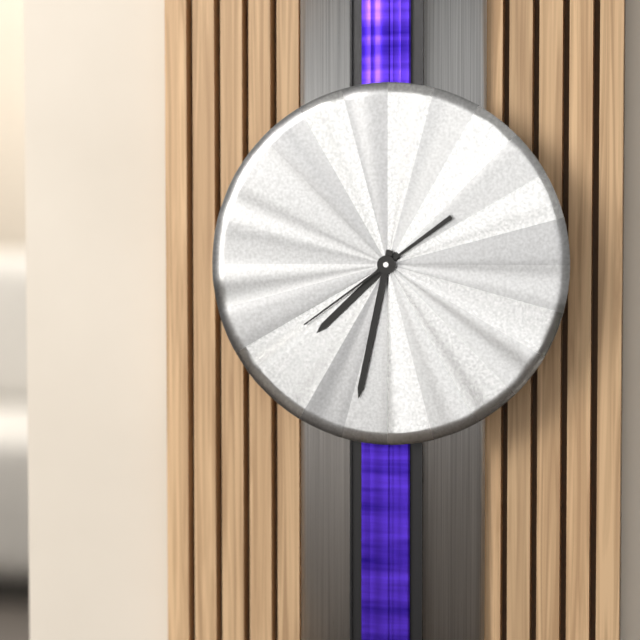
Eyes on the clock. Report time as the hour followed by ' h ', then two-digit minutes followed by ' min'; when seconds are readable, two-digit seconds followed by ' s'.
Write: 7 h 32 min 39 s
